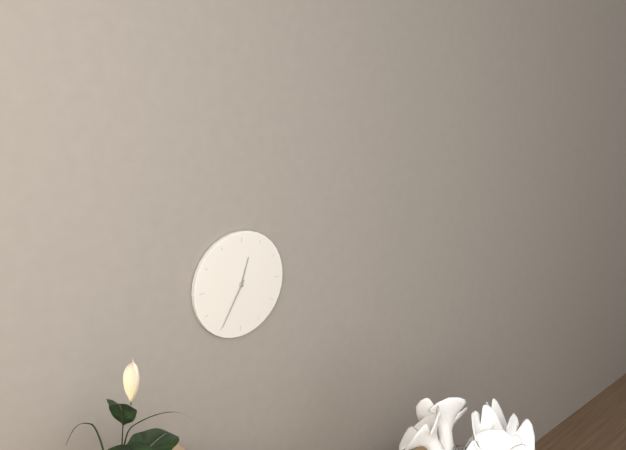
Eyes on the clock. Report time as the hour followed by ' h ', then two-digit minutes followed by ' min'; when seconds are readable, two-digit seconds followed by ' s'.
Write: 12 h 35 min
